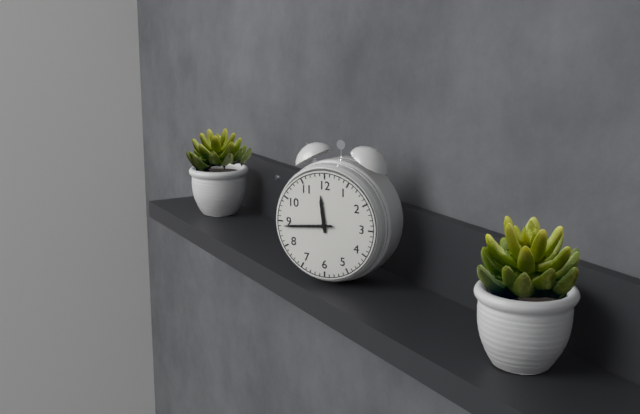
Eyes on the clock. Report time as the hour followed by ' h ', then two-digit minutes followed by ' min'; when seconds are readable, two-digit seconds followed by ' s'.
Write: 11 h 44 min
